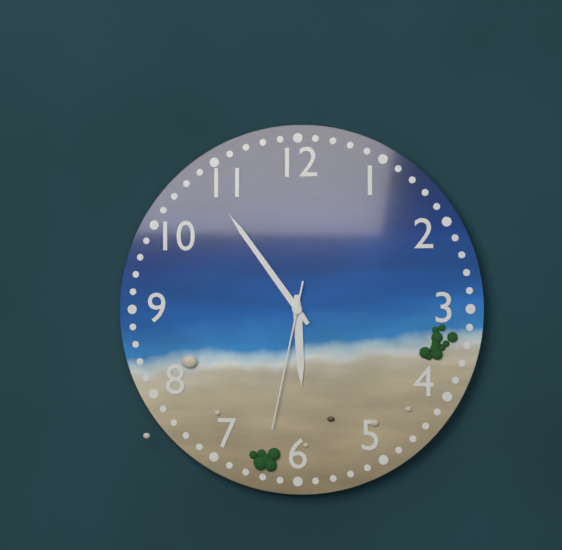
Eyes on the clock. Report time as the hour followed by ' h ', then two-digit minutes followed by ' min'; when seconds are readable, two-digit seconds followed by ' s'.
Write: 5 h 54 min 32 s
